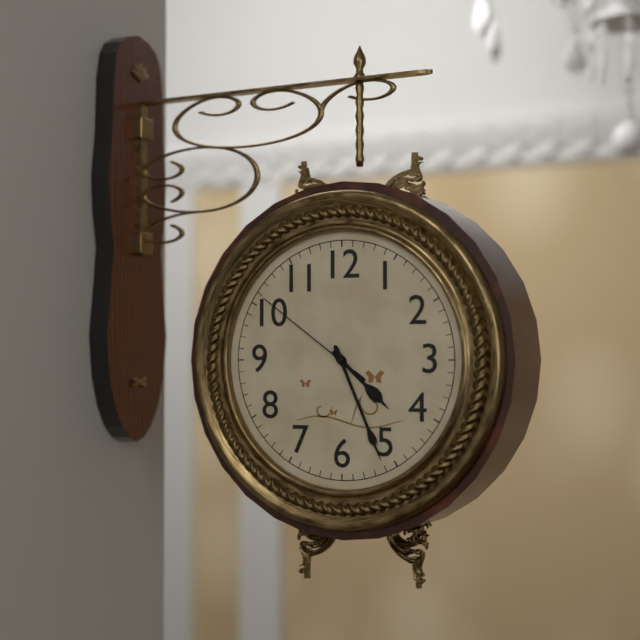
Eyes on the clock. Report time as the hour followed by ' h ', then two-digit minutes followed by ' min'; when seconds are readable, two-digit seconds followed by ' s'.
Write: 4 h 26 min 51 s
